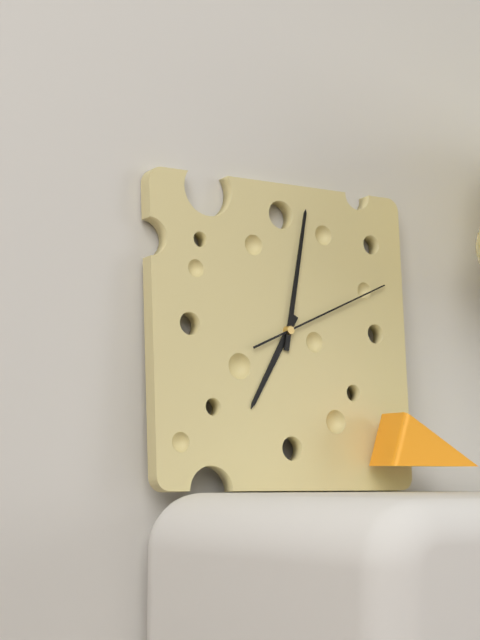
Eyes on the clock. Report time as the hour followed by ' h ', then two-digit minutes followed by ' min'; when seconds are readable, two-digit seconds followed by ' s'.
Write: 7 h 02 min 11 s
